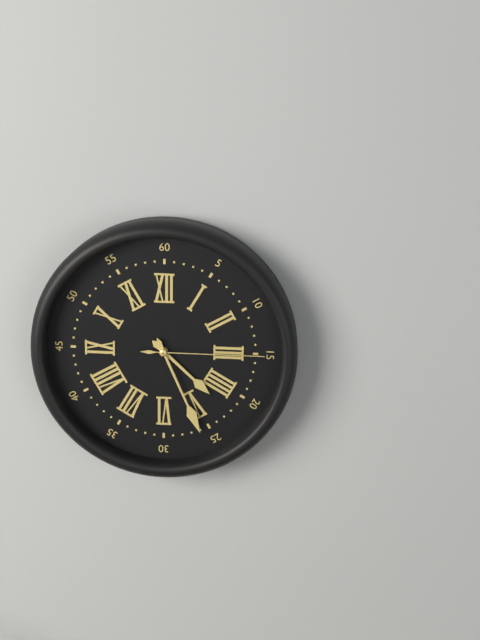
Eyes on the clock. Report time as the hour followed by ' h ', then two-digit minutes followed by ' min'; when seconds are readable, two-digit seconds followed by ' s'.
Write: 4 h 26 min 15 s
